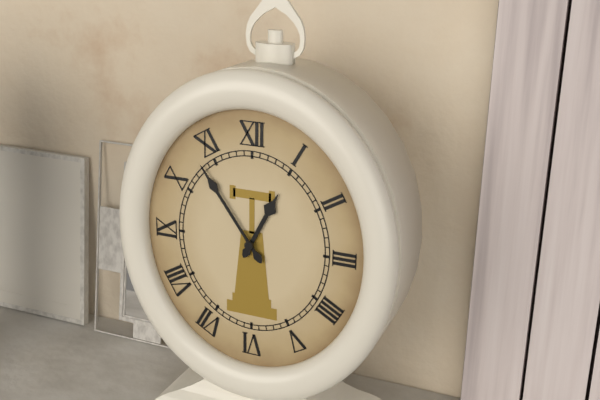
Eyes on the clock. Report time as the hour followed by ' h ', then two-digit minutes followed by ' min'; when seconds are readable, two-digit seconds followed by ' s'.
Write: 12 h 54 min
